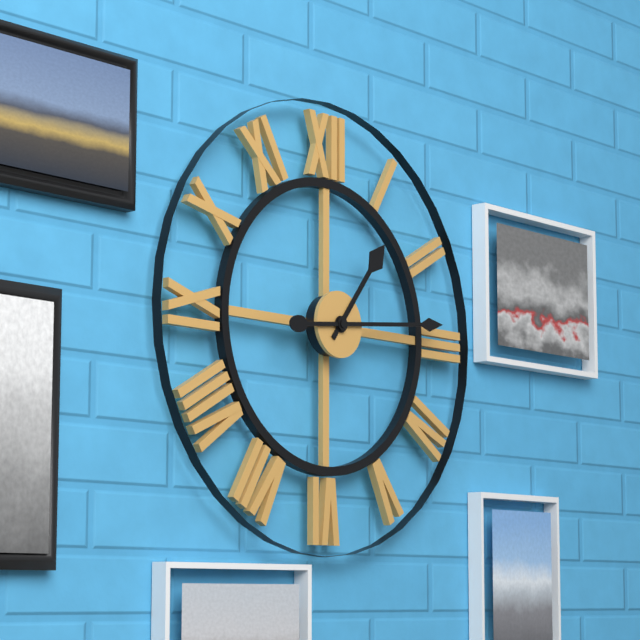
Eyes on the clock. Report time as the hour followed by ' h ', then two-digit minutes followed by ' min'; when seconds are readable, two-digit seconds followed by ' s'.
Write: 1 h 14 min
